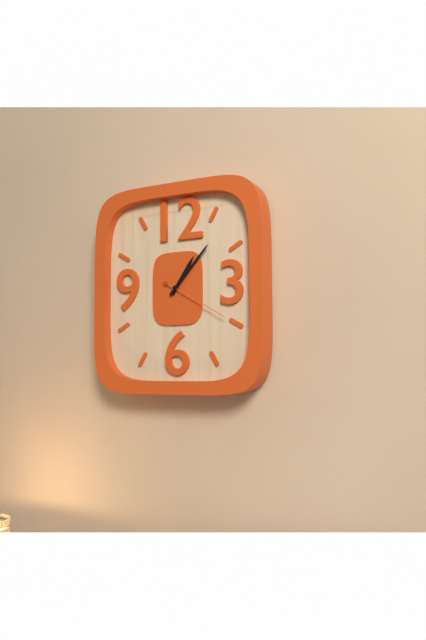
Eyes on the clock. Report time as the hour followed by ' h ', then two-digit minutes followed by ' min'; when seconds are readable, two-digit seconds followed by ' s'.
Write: 1 h 07 min 20 s
